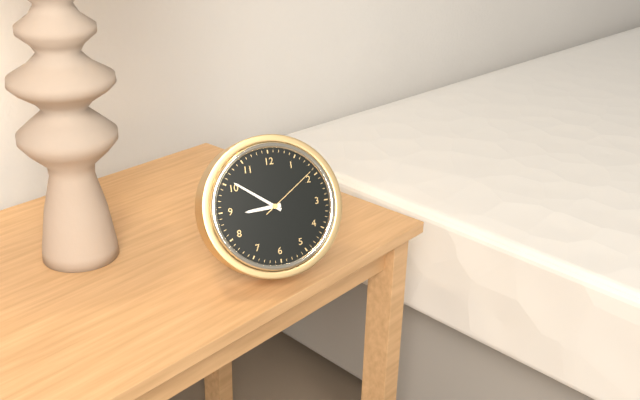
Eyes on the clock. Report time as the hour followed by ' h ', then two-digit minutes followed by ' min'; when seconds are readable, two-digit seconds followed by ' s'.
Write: 8 h 51 min 09 s
